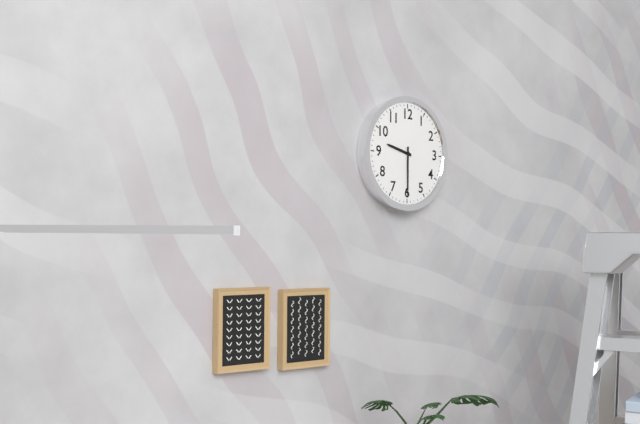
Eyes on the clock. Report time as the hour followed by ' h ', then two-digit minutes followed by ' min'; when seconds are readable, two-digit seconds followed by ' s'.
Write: 9 h 30 min
